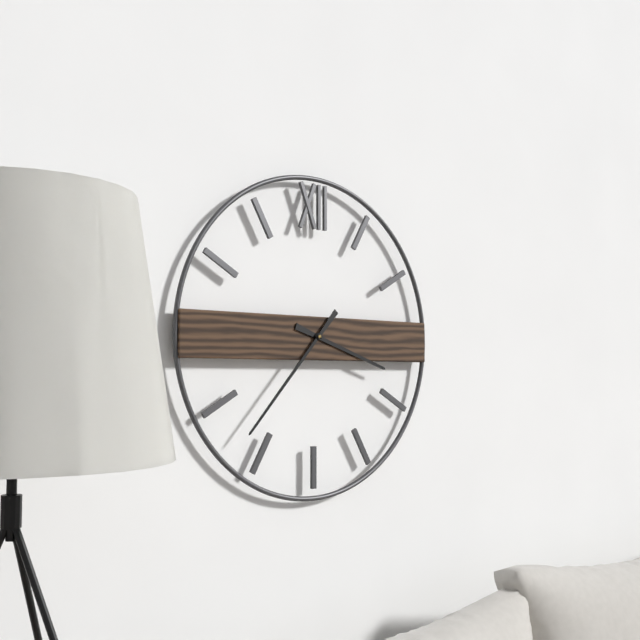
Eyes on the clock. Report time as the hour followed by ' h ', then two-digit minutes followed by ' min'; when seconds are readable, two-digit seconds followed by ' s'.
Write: 3 h 37 min
